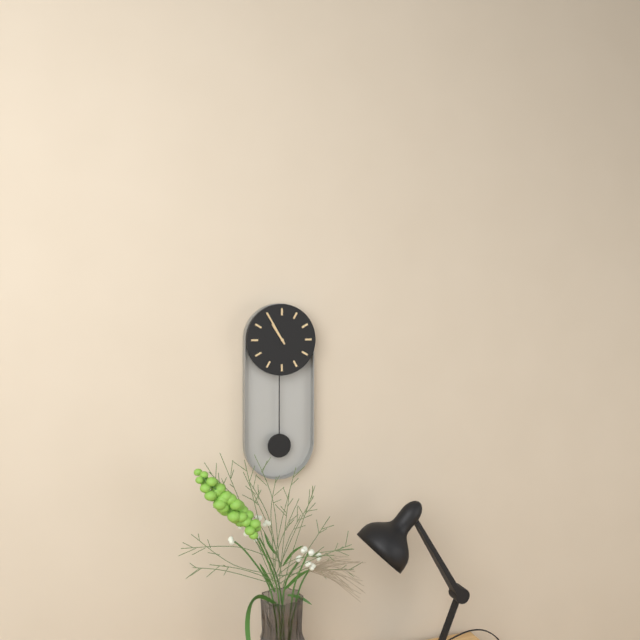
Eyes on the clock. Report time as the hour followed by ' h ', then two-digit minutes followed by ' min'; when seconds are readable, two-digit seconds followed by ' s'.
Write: 10 h 55 min
